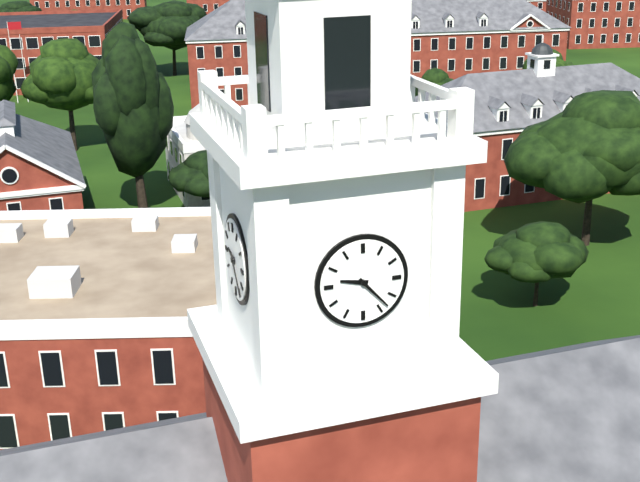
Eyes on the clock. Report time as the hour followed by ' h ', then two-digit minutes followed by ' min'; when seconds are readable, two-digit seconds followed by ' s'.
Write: 9 h 23 min
